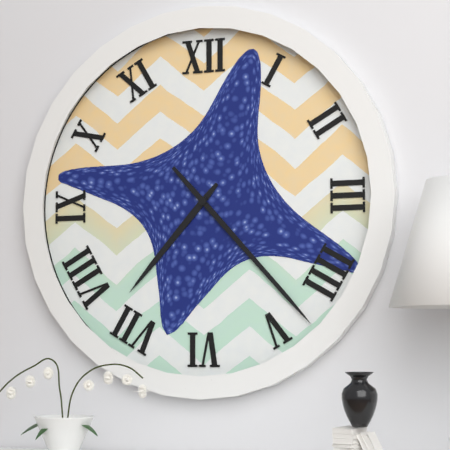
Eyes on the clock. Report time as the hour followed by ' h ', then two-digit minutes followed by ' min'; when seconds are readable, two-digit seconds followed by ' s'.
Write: 7 h 23 min
